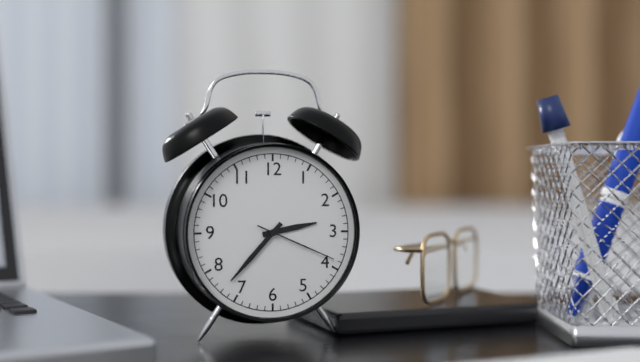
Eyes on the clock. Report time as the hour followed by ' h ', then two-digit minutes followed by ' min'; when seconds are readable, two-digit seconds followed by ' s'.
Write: 2 h 37 min 19 s
